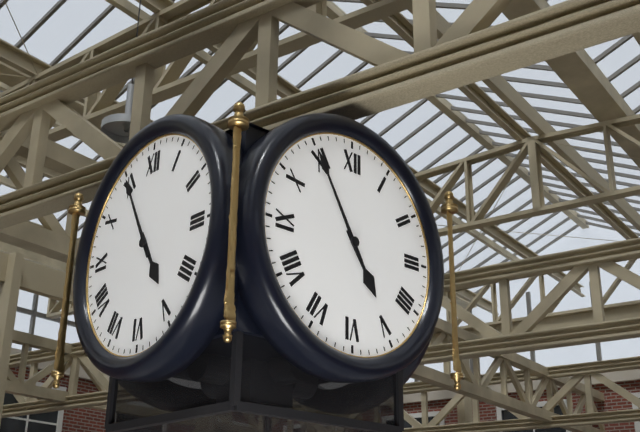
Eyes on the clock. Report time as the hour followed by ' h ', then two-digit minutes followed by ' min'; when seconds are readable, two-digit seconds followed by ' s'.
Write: 4 h 55 min
